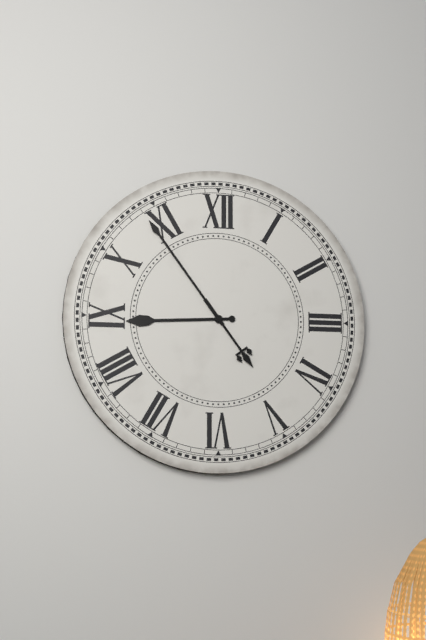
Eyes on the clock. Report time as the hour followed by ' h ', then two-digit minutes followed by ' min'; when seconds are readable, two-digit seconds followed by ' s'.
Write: 8 h 54 min
